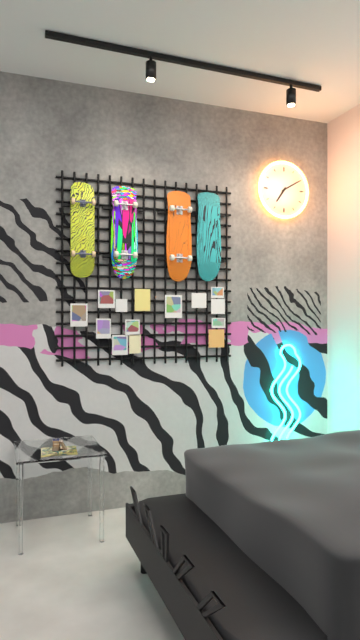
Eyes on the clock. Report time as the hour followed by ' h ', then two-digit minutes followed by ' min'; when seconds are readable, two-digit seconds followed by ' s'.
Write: 7 h 10 min
